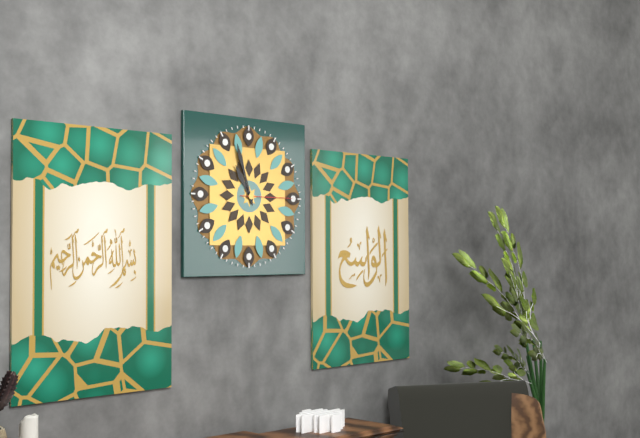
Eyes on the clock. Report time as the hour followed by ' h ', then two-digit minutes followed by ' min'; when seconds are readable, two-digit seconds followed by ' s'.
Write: 10 h 57 min 15 s
